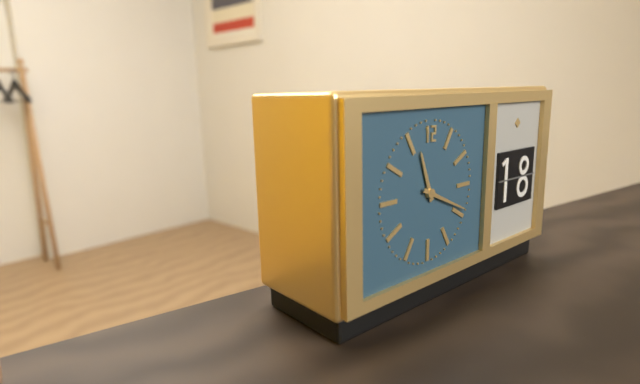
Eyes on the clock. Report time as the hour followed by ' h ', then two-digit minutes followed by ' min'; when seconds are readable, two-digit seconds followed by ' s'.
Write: 11 h 19 min
